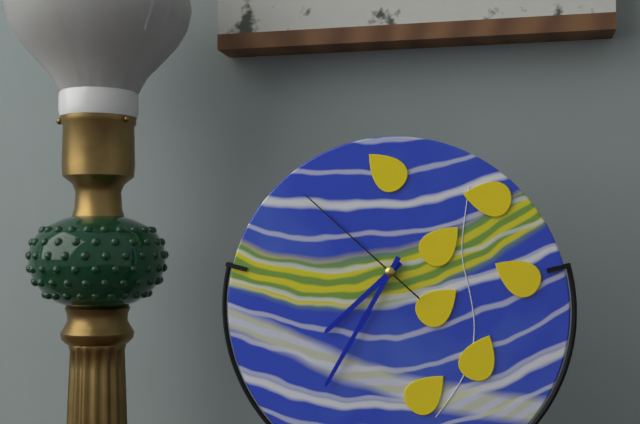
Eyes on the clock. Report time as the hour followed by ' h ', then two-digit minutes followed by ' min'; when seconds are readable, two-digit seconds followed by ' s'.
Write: 7 h 35 min 52 s
